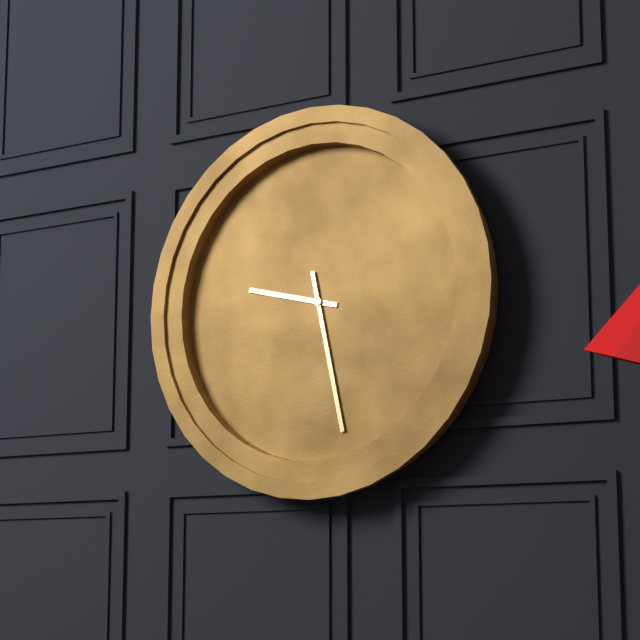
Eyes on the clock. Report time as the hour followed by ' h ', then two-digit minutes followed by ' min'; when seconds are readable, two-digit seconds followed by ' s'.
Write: 9 h 28 min
